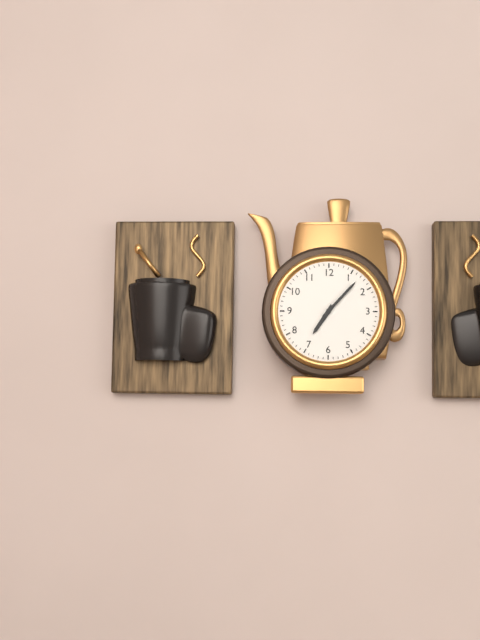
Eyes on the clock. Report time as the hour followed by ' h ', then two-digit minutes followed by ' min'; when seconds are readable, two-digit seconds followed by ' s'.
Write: 7 h 07 min
